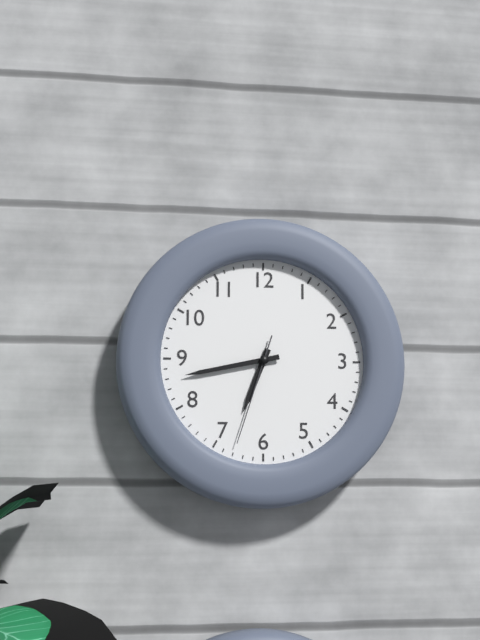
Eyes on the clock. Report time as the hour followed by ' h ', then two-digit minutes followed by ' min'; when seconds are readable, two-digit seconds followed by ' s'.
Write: 6 h 43 min 33 s
